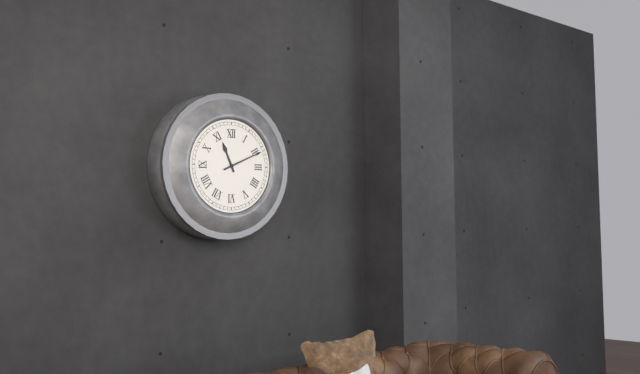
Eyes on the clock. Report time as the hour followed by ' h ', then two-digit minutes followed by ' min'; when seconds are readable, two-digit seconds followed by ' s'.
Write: 11 h 11 min
